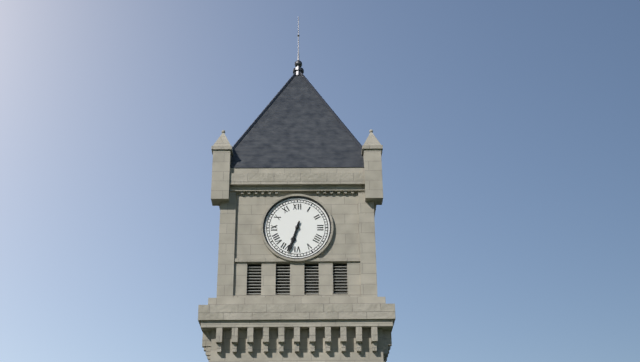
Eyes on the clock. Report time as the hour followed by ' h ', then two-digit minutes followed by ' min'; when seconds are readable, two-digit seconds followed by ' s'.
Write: 6 h 33 min
